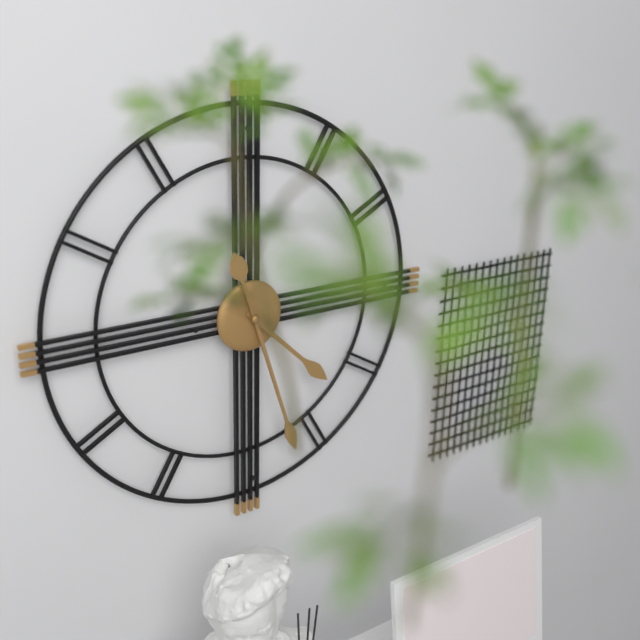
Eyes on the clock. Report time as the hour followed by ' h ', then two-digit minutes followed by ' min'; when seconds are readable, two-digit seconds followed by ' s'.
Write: 4 h 27 min
